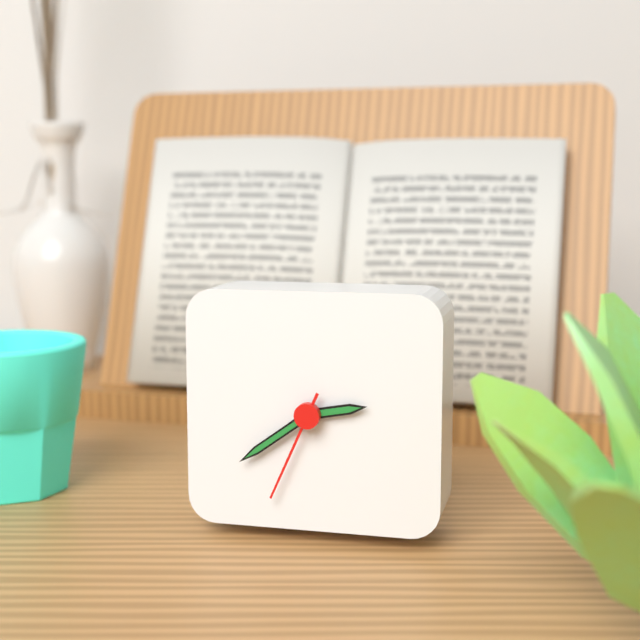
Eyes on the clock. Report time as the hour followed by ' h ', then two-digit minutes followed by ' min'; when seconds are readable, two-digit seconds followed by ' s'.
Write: 2 h 39 min 34 s
